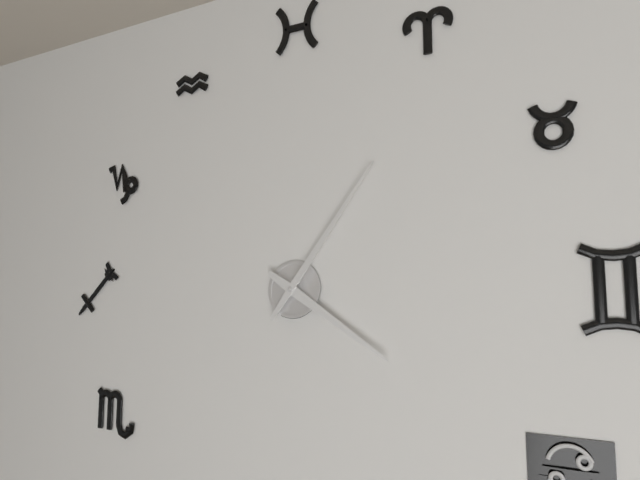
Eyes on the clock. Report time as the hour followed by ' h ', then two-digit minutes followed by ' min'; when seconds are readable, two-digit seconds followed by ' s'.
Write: 4 h 06 min
